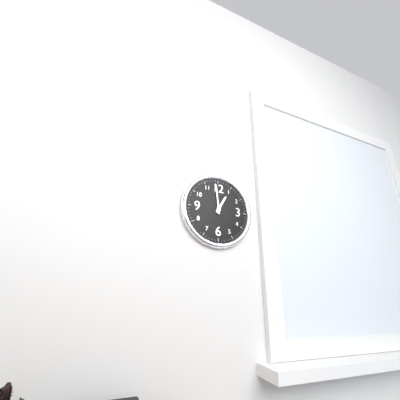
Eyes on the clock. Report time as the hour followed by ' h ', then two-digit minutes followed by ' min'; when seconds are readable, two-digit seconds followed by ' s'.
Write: 12 h 59 min
